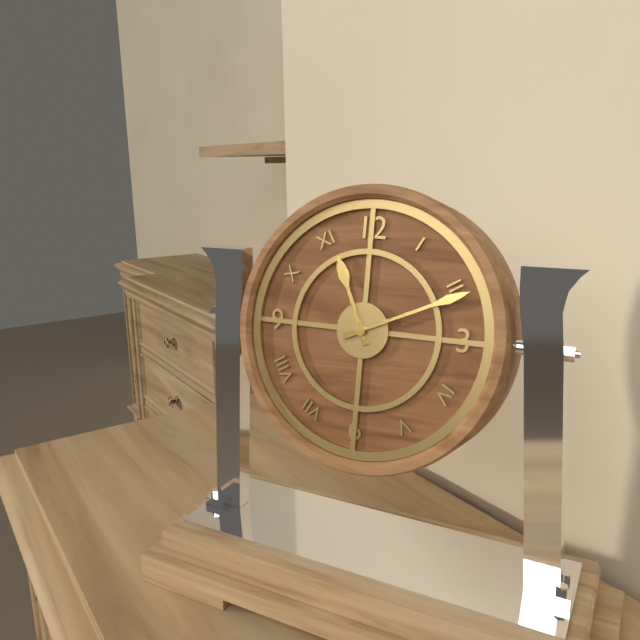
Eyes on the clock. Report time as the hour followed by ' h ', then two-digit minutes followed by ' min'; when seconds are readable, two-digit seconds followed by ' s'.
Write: 11 h 11 min
